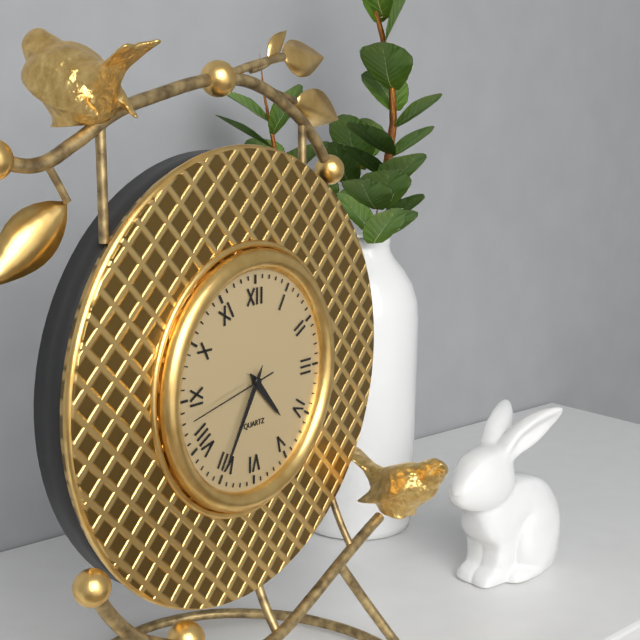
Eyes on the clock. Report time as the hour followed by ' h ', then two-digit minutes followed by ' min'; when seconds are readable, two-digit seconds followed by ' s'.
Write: 4 h 35 min 43 s
